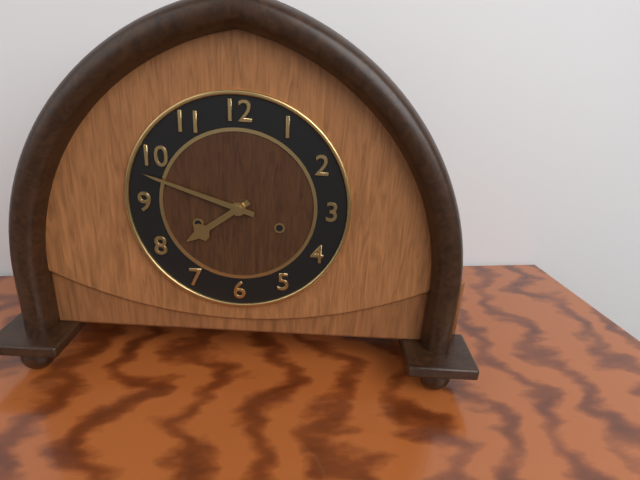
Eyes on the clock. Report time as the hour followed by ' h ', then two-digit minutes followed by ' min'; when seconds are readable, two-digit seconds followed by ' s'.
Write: 7 h 48 min
